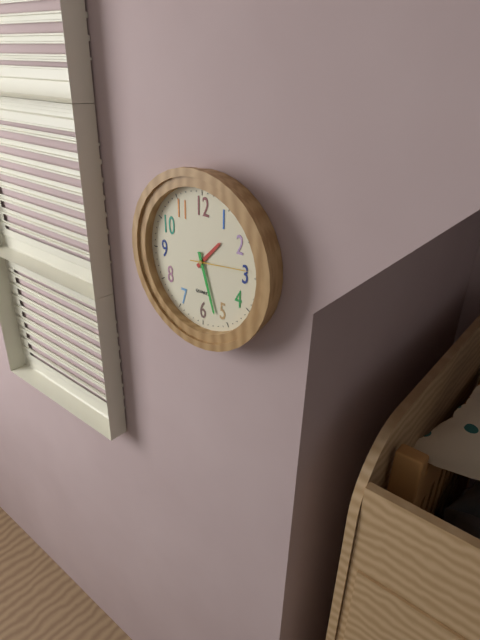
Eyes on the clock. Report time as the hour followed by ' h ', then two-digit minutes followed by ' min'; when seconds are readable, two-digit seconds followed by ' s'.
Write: 1 h 27 min 14 s
